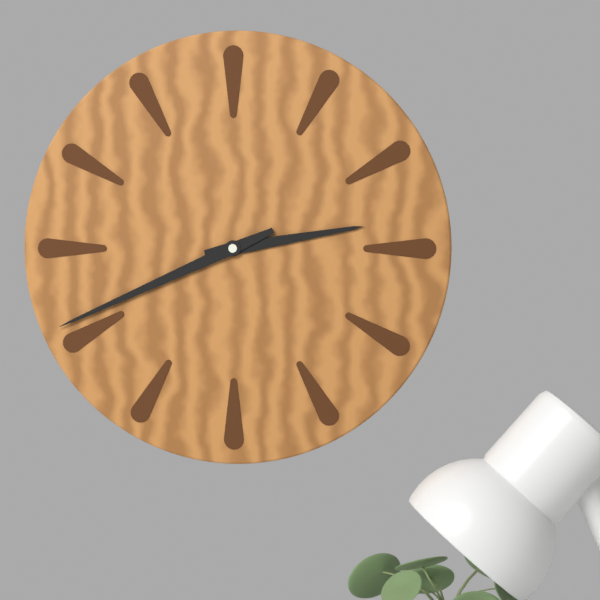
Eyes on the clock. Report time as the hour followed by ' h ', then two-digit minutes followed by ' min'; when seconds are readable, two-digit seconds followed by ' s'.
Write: 2 h 41 min
